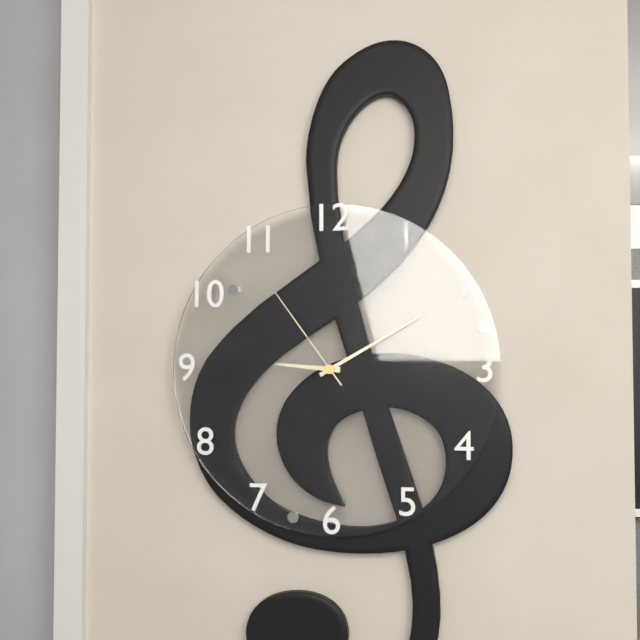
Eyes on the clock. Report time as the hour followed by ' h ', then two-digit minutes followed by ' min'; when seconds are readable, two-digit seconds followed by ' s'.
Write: 9 h 10 min 54 s
